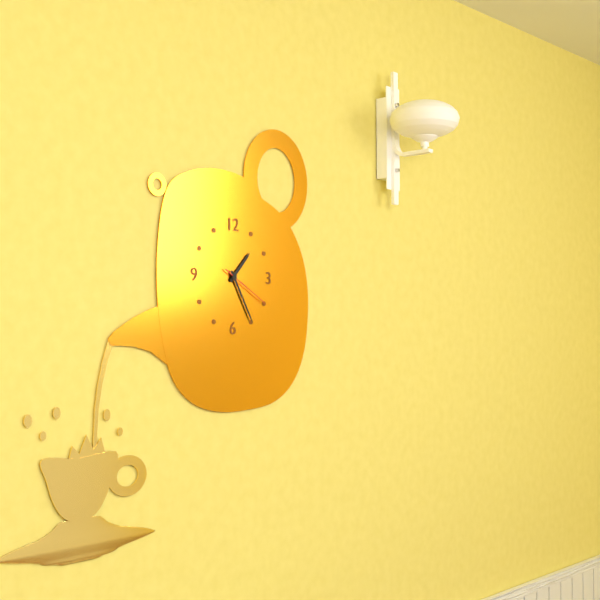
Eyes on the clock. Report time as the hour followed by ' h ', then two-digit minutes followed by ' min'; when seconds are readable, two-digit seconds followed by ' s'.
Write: 1 h 25 min 20 s
